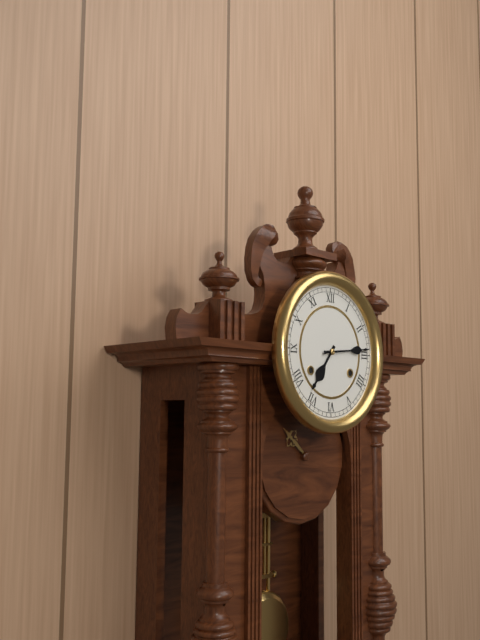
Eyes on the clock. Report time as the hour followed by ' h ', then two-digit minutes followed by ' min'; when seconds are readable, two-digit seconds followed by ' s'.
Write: 7 h 14 min
